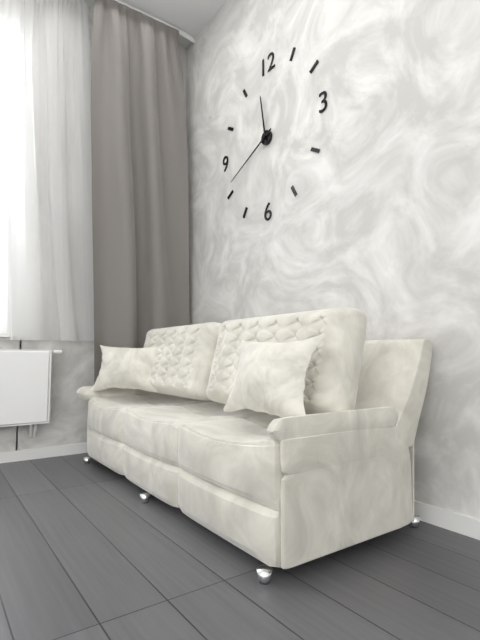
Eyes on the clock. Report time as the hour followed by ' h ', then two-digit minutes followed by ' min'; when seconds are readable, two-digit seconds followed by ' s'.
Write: 11 h 41 min
